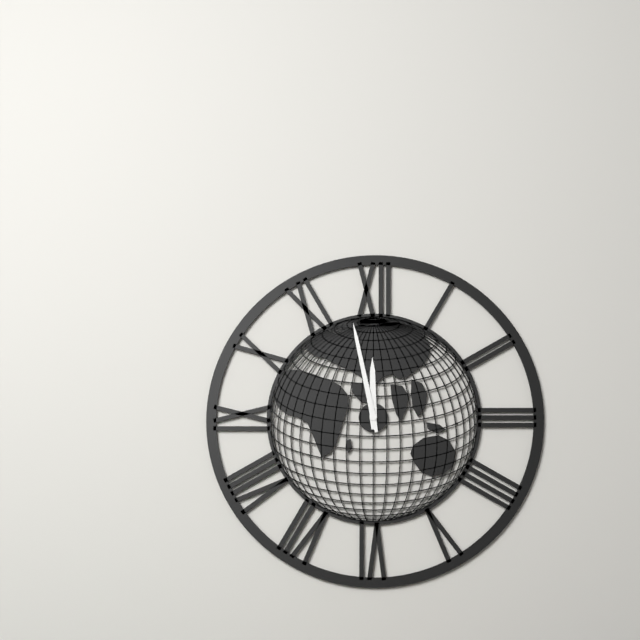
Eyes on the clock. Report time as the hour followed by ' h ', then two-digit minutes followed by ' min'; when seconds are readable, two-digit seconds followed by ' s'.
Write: 11 h 58 min
